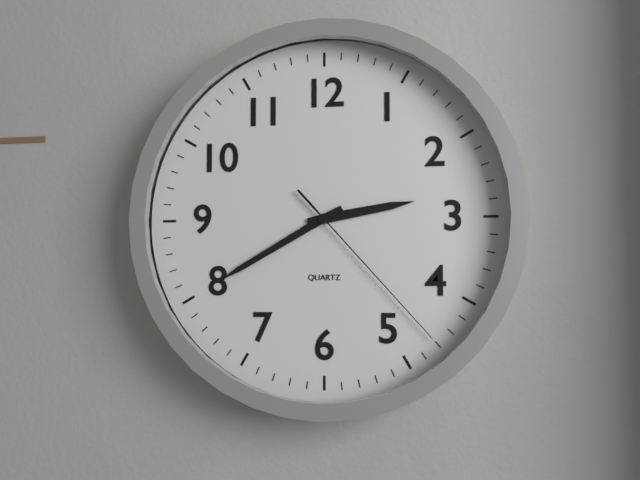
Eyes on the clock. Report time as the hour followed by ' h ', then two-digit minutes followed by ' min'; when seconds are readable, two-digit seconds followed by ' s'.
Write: 2 h 40 min 23 s
